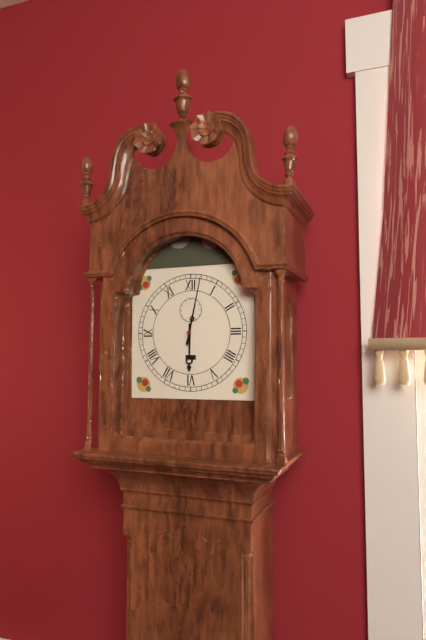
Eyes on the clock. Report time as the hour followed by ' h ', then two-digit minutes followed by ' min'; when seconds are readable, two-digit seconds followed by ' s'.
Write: 6 h 02 min
